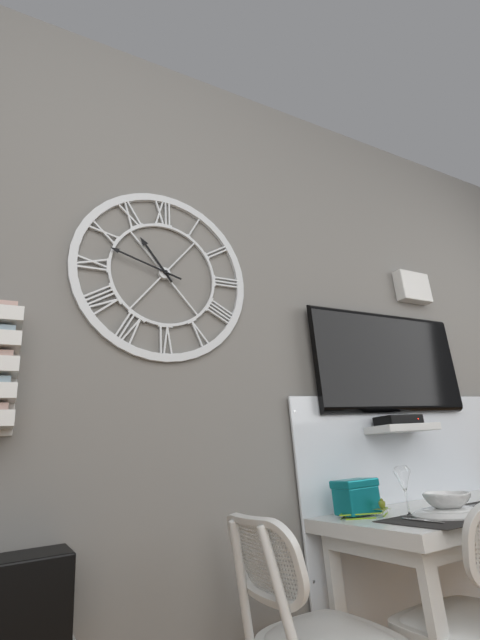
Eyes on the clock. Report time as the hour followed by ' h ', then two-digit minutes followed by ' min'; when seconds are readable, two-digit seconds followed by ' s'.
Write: 10 h 48 min
